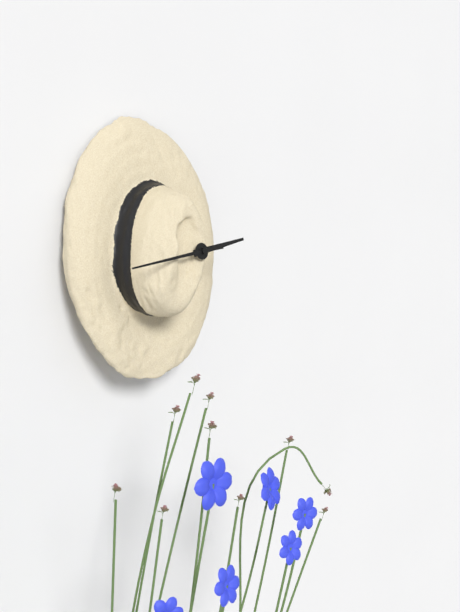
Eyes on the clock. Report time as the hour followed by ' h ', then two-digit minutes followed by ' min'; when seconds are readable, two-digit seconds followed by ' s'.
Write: 2 h 44 min
